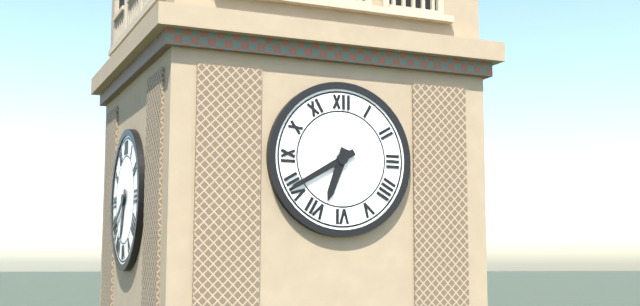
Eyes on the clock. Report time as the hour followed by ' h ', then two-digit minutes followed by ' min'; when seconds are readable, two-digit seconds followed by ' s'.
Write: 6 h 40 min
